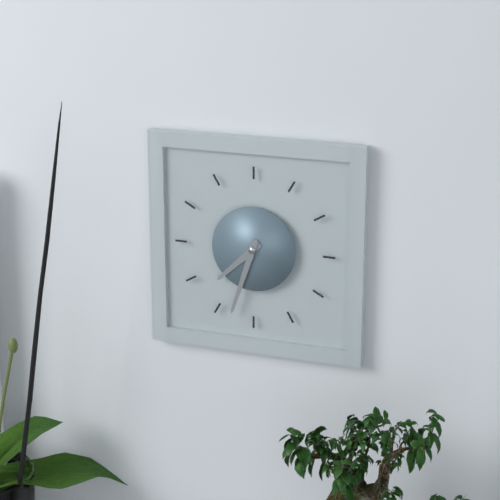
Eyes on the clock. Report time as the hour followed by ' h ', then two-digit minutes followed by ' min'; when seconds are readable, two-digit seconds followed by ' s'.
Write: 7 h 33 min
